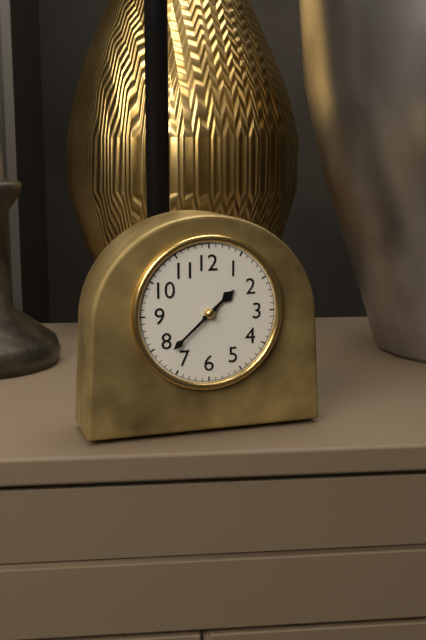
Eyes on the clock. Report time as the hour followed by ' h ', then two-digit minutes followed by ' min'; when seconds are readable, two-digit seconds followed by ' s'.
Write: 1 h 38 min
